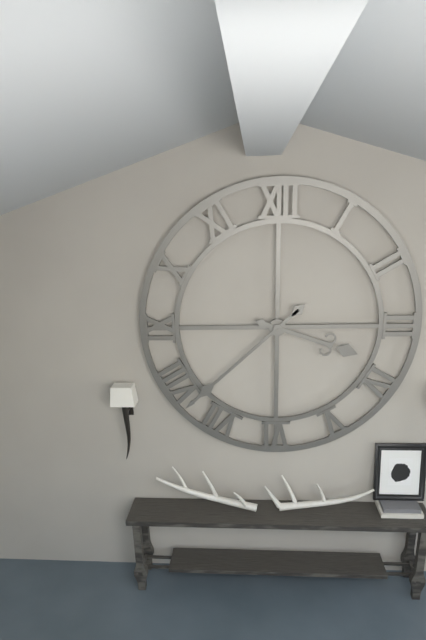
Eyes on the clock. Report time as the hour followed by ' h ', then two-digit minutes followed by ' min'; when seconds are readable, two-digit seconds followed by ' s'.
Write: 3 h 38 min
